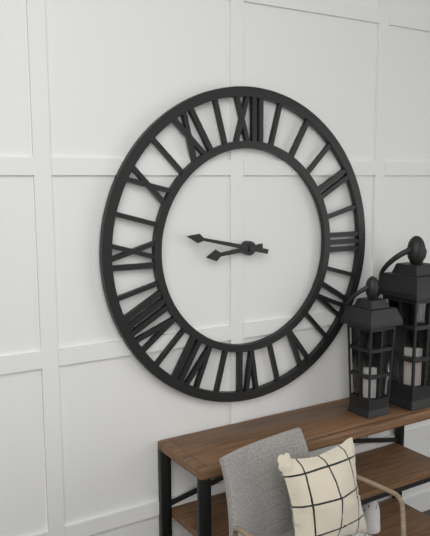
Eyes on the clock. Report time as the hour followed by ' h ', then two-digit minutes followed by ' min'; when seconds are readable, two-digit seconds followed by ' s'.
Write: 8 h 47 min
